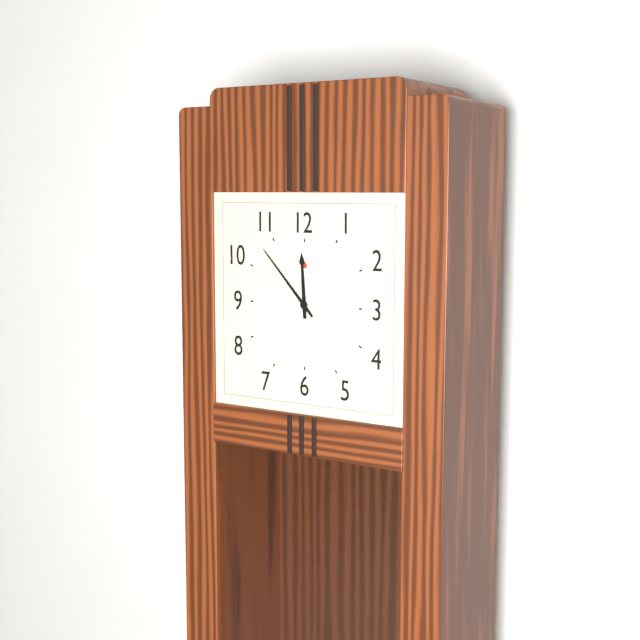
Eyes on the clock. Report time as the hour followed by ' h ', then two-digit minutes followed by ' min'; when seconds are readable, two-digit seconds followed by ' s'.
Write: 11 h 53 min
